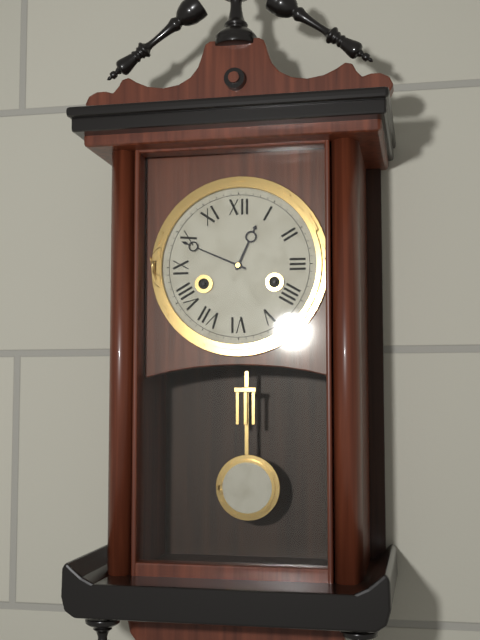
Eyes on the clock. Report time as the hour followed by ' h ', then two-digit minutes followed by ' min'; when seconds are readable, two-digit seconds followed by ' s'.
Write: 12 h 49 min
